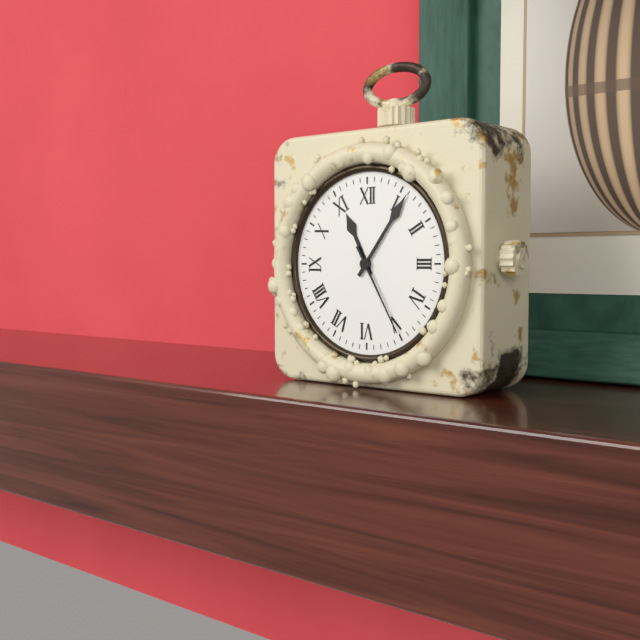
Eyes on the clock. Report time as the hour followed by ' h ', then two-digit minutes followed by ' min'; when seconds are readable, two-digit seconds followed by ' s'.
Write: 11 h 06 min 25 s
